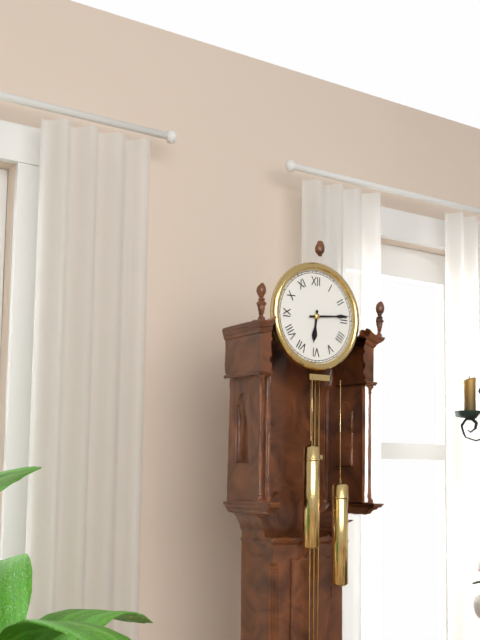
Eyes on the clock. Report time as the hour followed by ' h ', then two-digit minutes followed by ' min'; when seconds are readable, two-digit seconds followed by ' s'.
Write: 6 h 14 min
